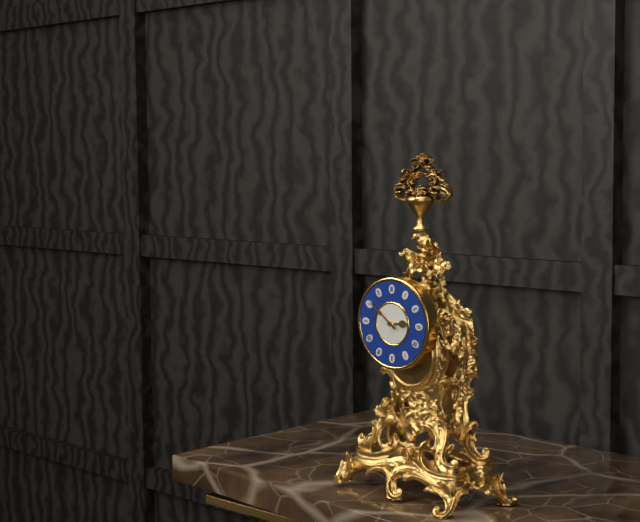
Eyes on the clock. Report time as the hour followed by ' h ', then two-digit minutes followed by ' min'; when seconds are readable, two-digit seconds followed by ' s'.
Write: 2 h 51 min
